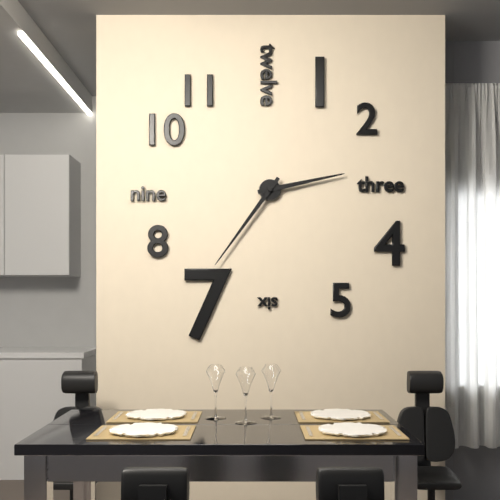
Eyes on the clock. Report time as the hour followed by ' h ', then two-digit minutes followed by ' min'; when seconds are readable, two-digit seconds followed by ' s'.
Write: 2 h 36 min
